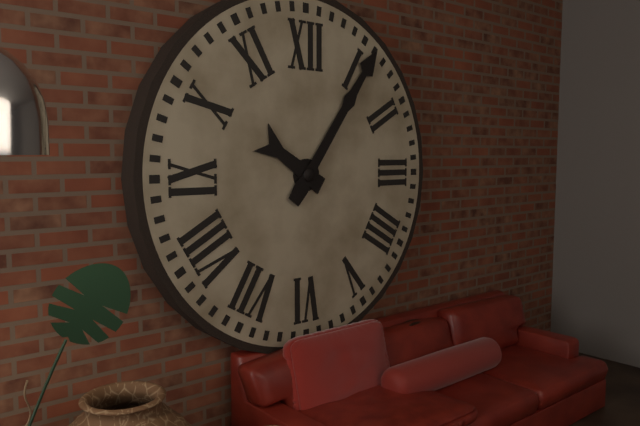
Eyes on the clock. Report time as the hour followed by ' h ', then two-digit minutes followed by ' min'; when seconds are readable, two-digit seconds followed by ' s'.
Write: 10 h 06 min
